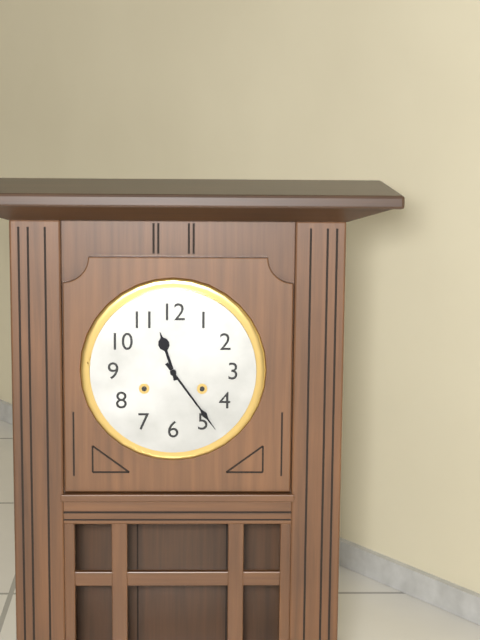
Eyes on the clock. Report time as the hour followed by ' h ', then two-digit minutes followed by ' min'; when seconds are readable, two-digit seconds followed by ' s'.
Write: 11 h 24 min
